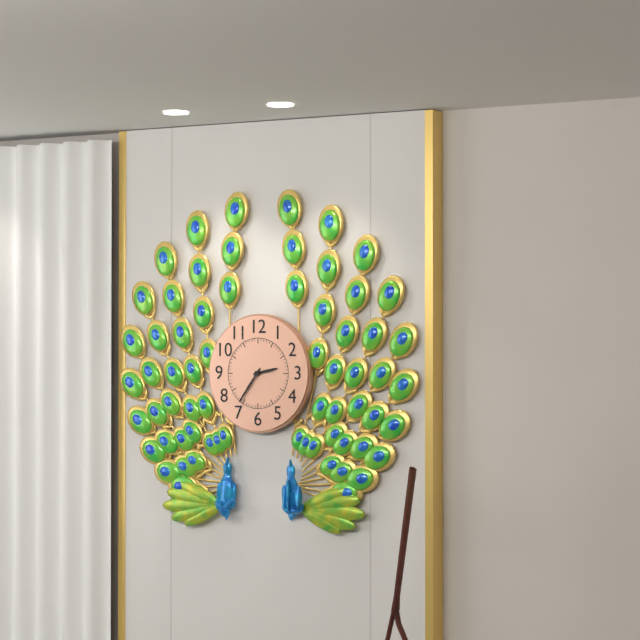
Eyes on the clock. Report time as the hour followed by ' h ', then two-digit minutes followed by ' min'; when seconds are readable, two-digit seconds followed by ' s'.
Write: 2 h 36 min
